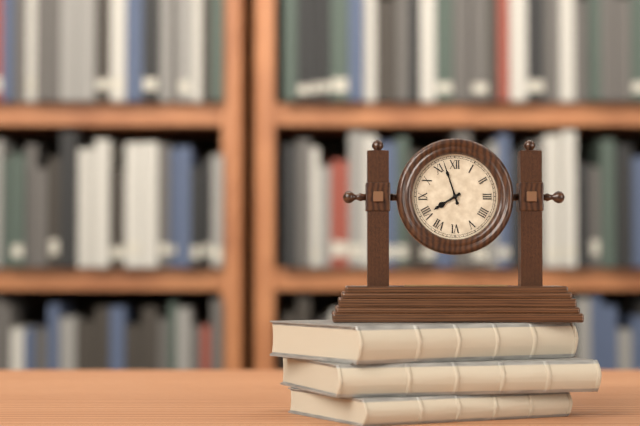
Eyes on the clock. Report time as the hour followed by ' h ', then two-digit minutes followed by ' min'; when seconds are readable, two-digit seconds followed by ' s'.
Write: 7 h 57 min
